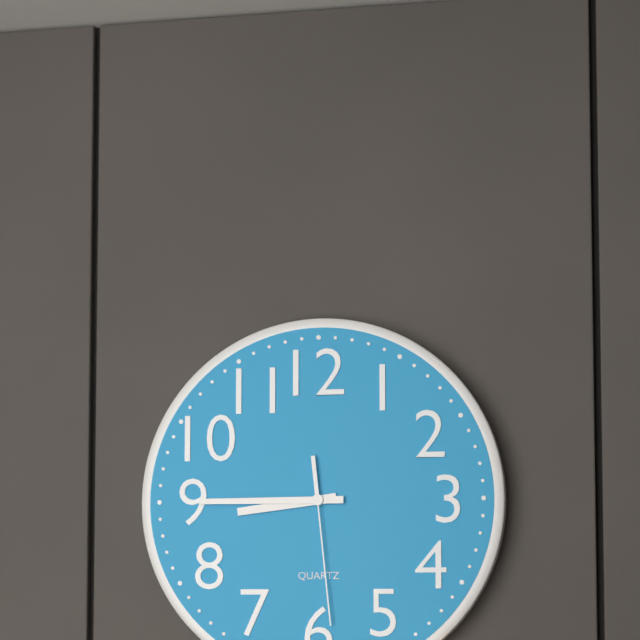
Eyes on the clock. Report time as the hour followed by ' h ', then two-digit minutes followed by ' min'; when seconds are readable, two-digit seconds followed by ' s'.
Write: 8 h 45 min 29 s
